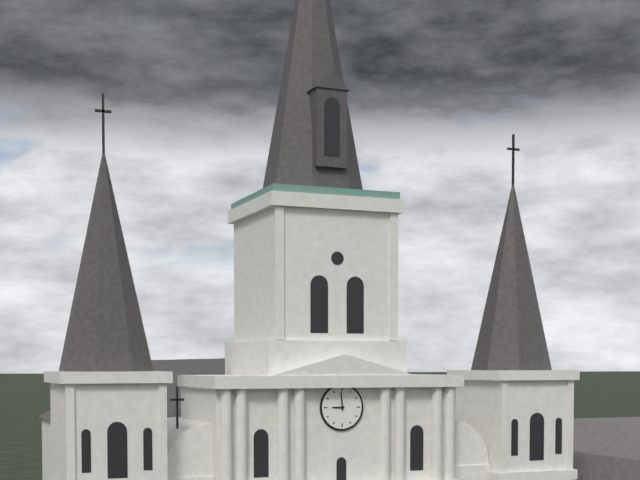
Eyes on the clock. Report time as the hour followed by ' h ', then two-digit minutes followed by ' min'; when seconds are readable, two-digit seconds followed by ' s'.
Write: 8 h 59 min
